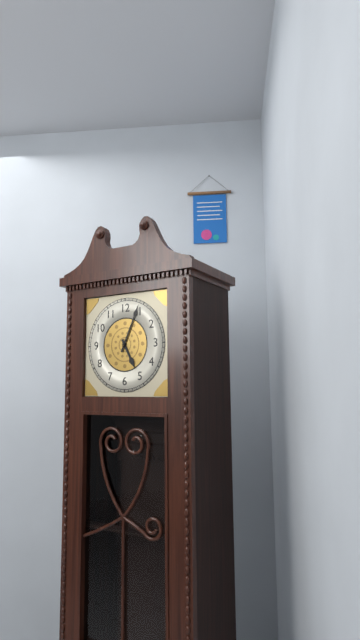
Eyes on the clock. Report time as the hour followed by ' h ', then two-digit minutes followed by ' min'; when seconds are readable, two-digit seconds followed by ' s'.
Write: 5 h 04 min
